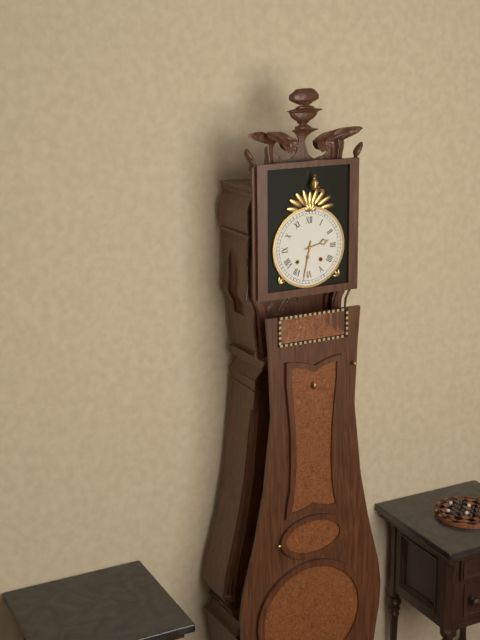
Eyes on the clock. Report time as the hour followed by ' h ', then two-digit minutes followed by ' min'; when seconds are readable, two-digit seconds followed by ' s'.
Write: 2 h 32 min
